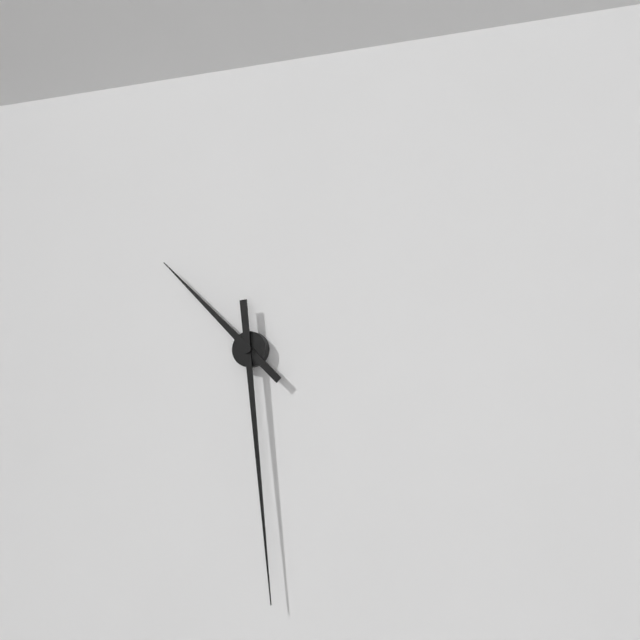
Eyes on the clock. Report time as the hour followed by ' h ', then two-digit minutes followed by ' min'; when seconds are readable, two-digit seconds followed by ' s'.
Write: 10 h 29 min
